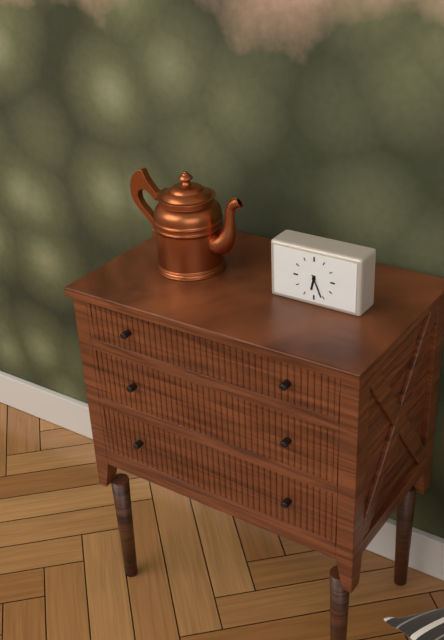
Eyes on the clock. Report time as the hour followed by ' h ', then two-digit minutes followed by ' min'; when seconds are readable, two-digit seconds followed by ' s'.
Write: 6 h 26 min
